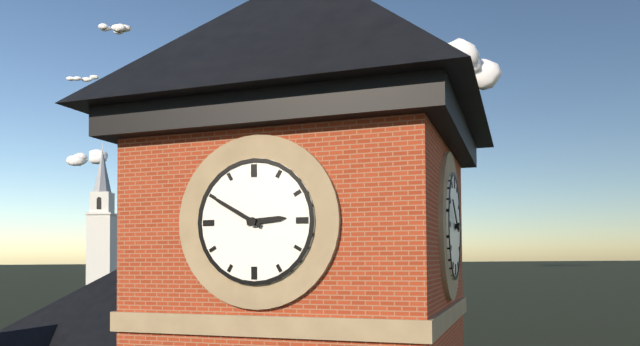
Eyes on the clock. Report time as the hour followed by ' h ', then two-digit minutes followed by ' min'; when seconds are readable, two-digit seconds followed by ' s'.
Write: 2 h 50 min
